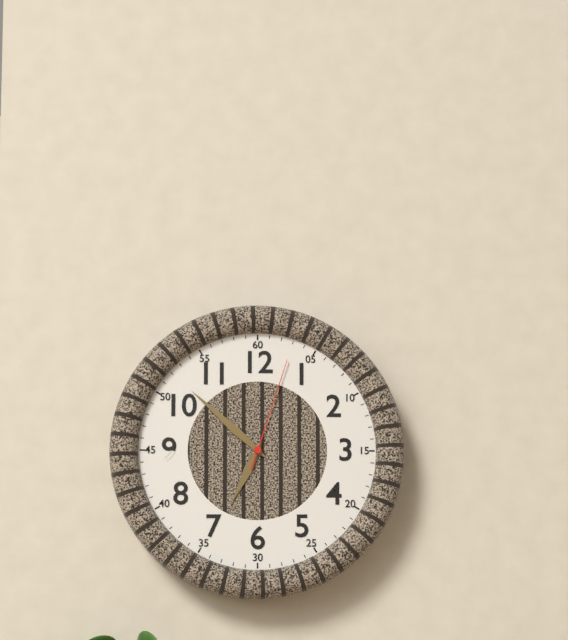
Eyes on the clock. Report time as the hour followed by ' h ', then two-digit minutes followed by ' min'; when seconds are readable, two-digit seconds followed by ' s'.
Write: 6 h 52 min 03 s
